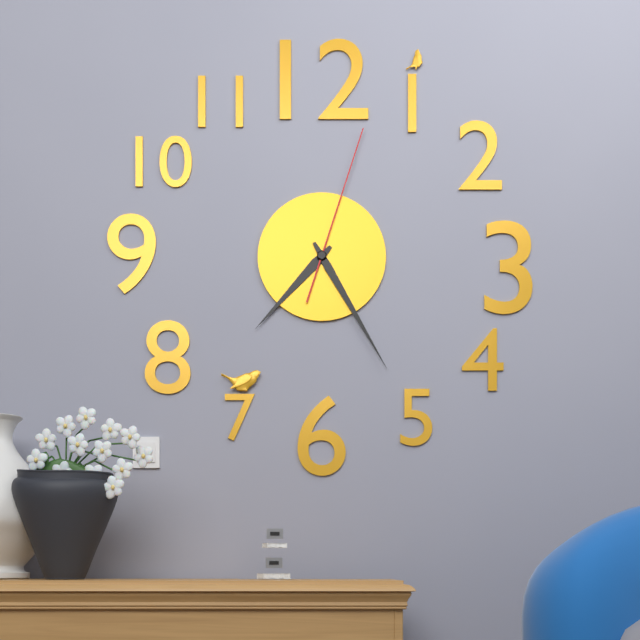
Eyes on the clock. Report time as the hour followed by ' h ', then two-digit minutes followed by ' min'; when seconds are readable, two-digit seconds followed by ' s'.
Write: 7 h 25 min 03 s
